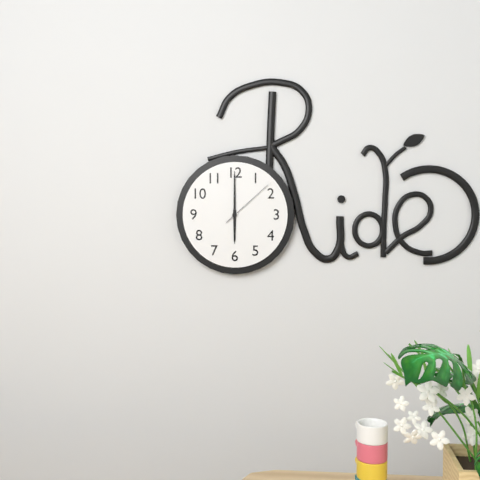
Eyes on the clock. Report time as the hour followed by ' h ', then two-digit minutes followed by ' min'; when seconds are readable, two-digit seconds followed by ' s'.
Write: 6 h 00 min 08 s
